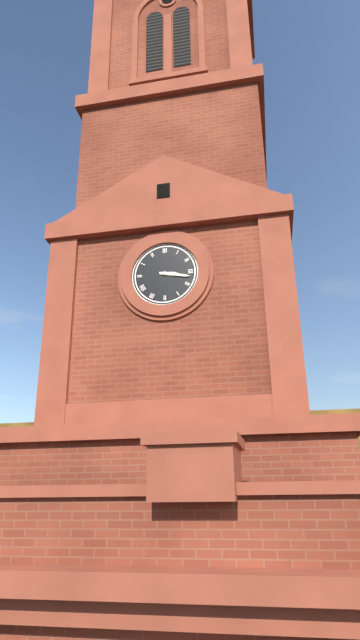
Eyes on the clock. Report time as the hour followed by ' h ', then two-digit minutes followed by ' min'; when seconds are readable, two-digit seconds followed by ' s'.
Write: 3 h 17 min
